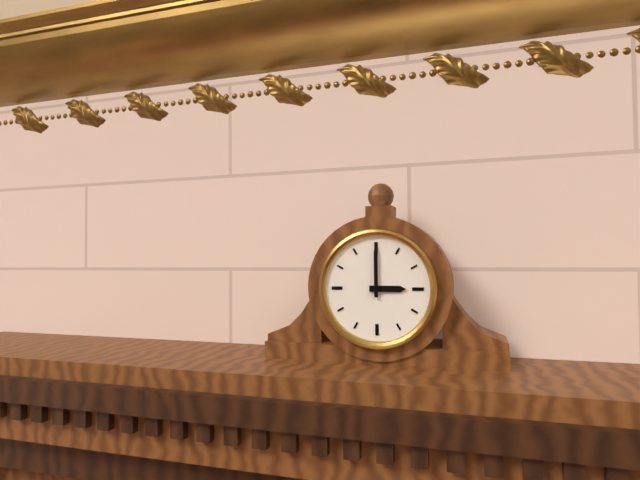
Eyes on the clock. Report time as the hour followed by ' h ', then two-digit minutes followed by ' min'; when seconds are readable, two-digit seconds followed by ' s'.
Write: 3 h 00 min
